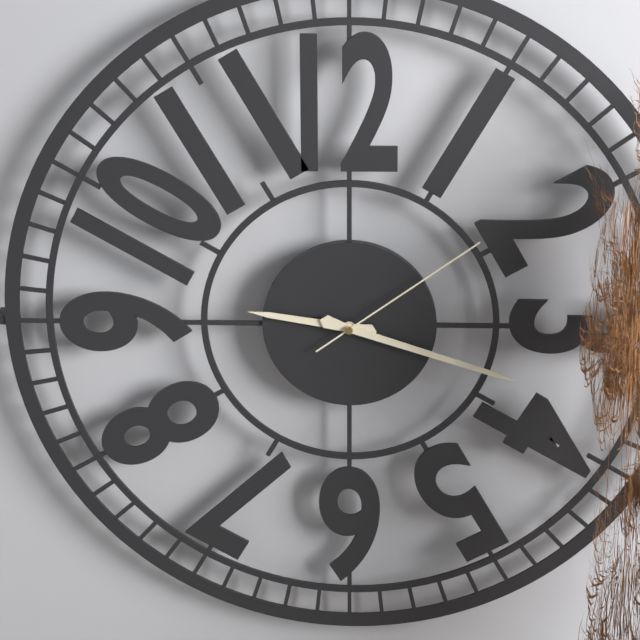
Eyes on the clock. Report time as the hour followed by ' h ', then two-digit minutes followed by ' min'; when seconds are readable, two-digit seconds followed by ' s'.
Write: 9 h 18 min 09 s
